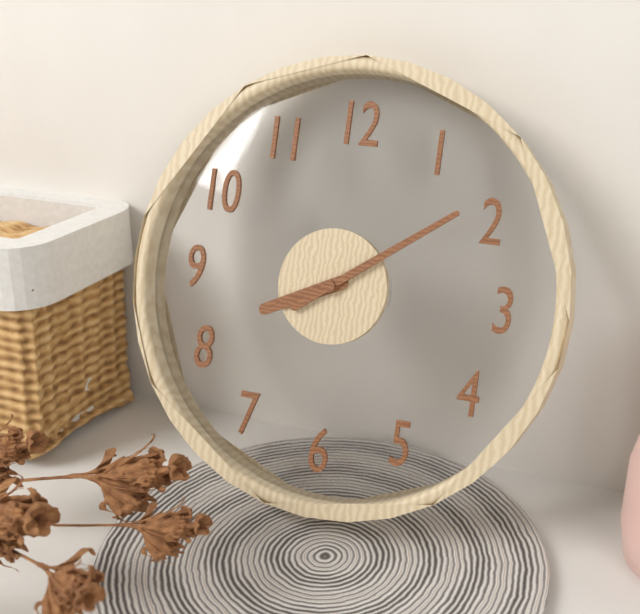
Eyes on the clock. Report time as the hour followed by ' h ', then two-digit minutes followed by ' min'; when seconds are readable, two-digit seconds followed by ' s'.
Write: 8 h 09 min
